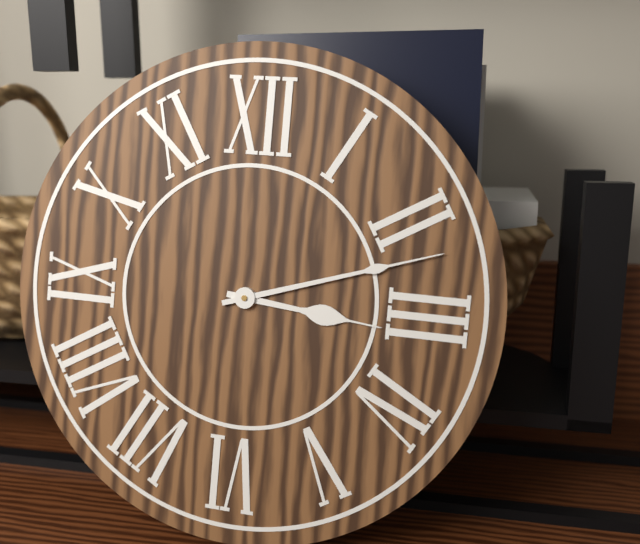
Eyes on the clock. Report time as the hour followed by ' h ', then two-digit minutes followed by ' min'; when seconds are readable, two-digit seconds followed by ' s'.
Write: 3 h 12 min
